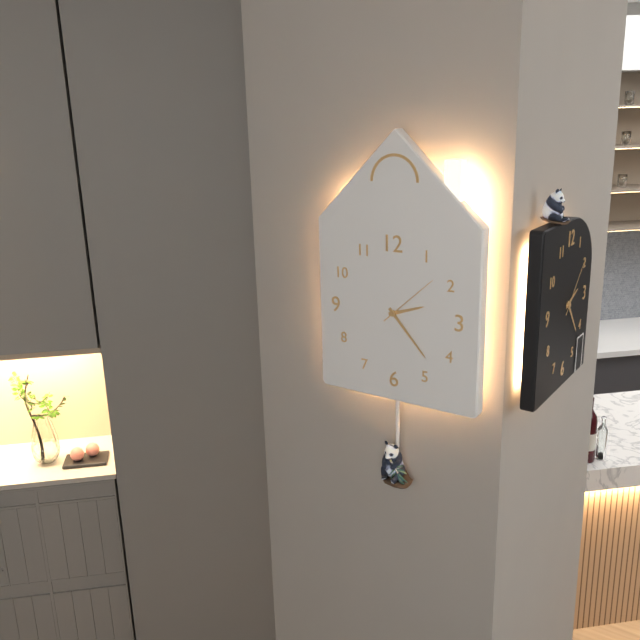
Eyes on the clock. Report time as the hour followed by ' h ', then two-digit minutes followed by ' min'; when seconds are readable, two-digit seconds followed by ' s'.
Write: 2 h 23 min 08 s
